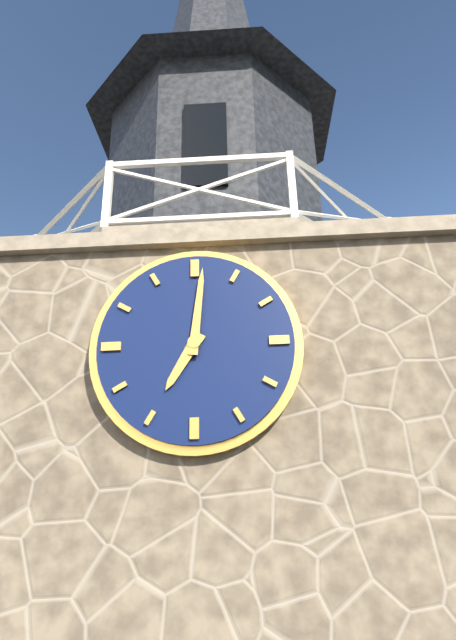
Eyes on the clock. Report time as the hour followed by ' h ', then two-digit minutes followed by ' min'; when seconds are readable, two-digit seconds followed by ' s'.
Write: 7 h 01 min
